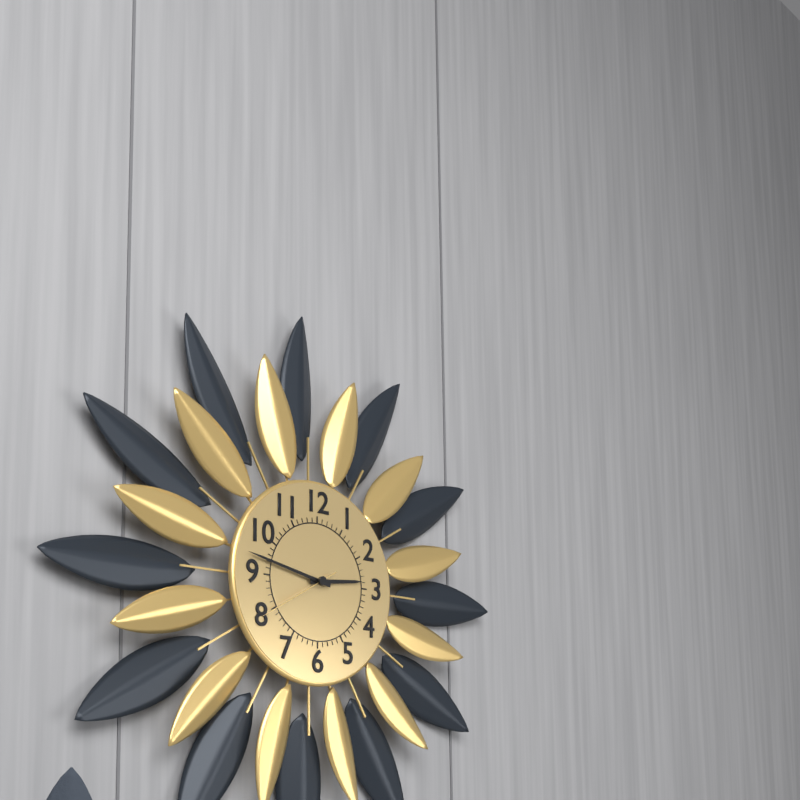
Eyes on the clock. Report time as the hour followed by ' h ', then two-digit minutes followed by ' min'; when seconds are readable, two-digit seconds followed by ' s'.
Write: 2 h 47 min 40 s
